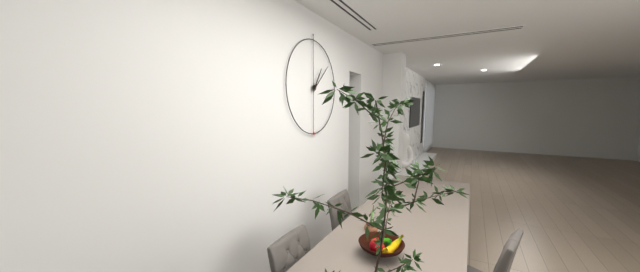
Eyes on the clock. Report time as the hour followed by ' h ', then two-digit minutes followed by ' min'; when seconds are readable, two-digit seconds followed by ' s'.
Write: 1 h 08 min
